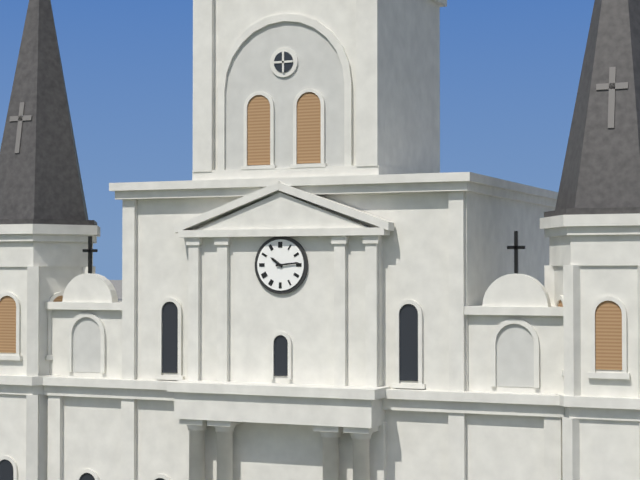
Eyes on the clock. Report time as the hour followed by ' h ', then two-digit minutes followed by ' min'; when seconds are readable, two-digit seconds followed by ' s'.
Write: 10 h 14 min
